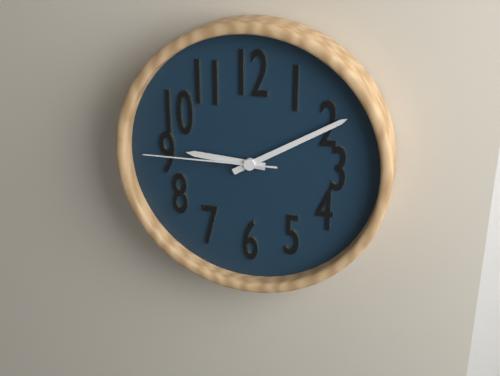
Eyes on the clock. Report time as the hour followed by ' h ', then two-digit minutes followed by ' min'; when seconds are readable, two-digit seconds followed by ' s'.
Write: 9 h 10 min 45 s
